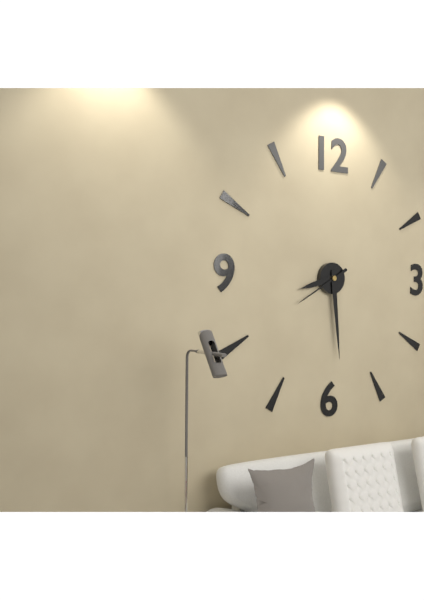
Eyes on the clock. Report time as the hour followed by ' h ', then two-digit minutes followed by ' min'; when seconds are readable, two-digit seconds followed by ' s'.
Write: 8 h 29 min
